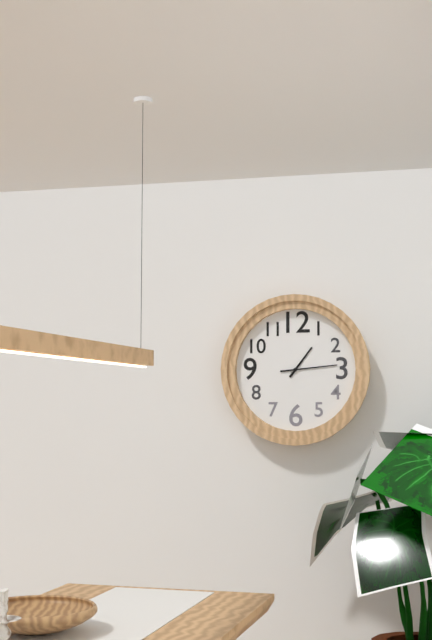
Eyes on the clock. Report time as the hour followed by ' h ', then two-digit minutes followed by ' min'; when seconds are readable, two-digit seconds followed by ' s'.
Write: 1 h 14 min
